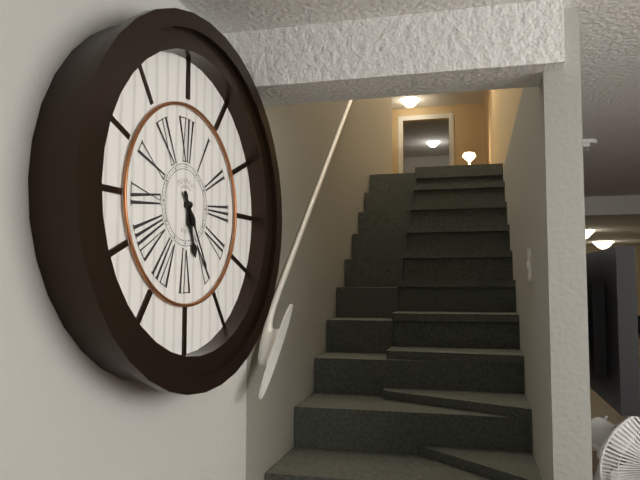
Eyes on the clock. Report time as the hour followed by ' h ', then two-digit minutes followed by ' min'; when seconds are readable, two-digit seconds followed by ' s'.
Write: 5 h 25 min
